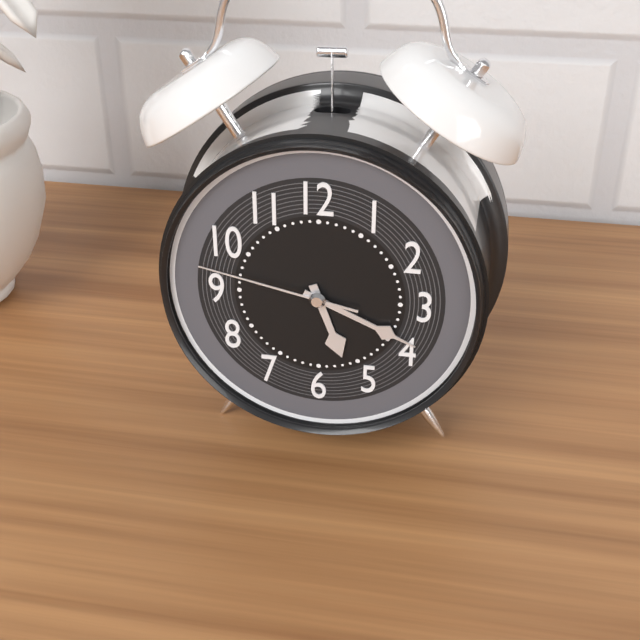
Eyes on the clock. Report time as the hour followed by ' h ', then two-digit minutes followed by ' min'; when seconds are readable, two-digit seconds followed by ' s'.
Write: 5 h 19 min 47 s
